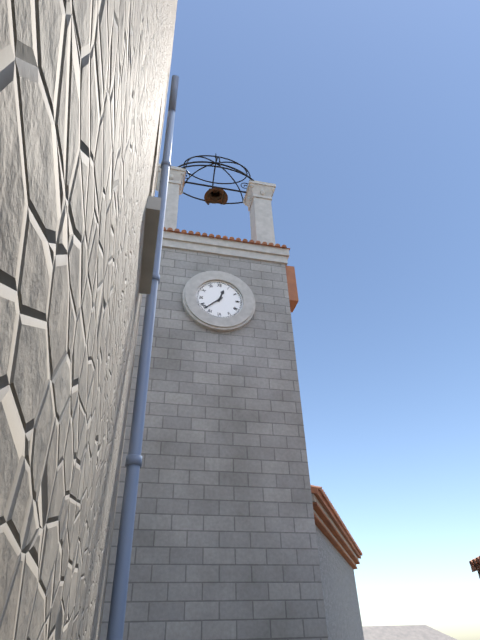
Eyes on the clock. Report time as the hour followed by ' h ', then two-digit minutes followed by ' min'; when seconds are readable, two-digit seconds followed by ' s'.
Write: 12 h 38 min
